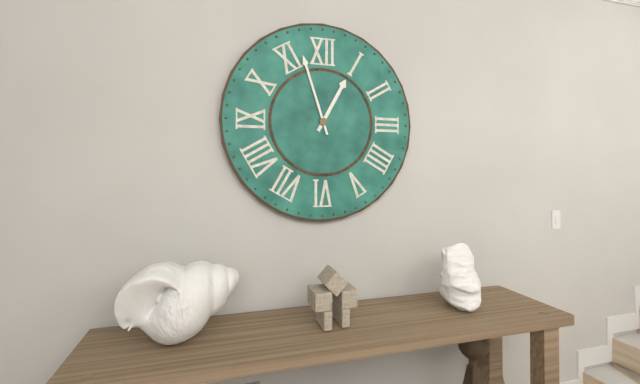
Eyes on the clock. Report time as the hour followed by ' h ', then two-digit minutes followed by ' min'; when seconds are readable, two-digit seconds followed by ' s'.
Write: 12 h 57 min
